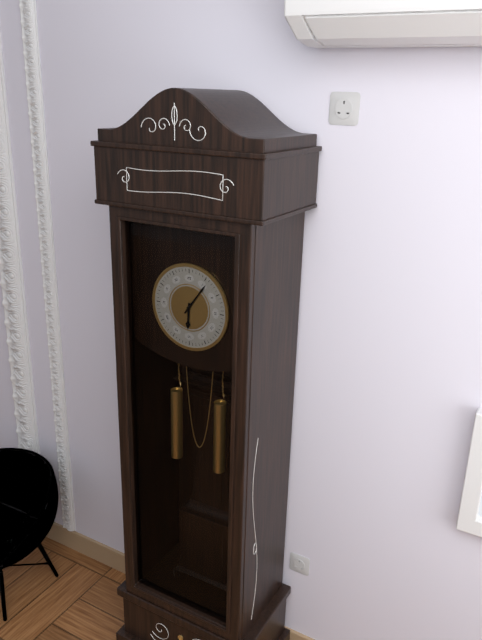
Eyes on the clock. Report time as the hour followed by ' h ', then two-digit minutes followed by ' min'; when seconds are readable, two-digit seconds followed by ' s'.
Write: 6 h 06 min
